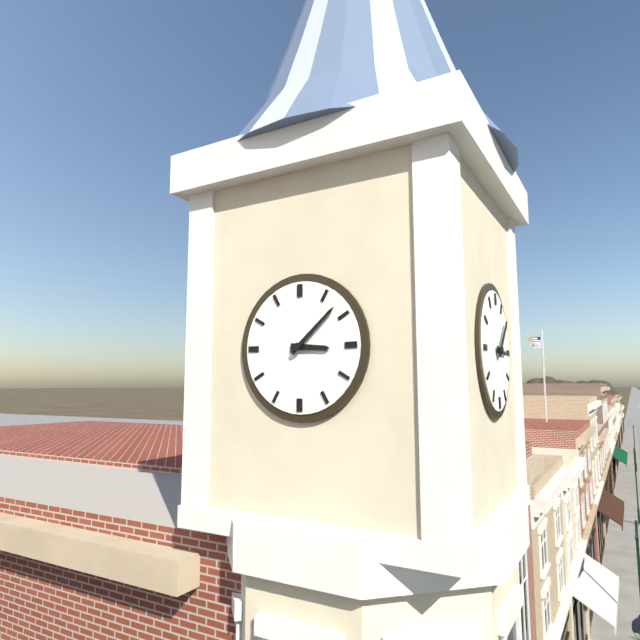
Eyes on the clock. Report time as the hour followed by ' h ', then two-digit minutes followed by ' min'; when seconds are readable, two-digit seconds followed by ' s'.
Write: 3 h 08 min
